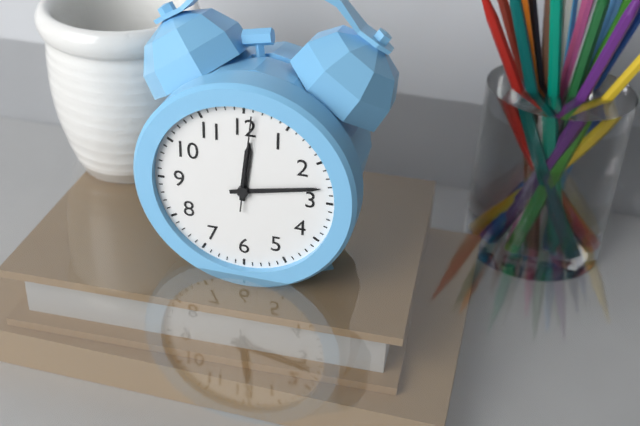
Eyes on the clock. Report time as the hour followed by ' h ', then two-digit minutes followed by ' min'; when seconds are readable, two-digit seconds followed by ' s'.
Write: 12 h 13 min 01 s
